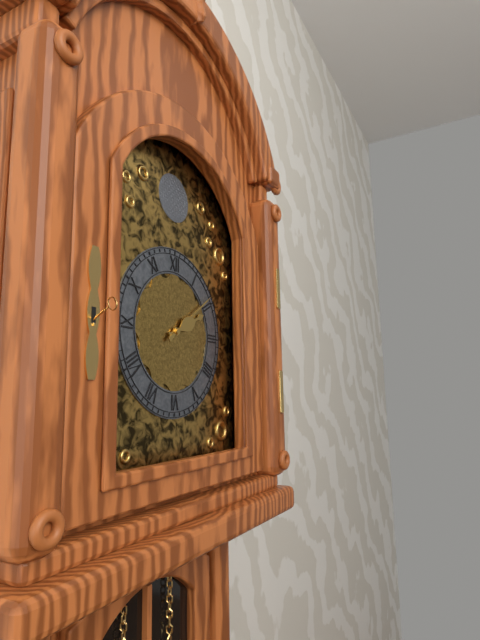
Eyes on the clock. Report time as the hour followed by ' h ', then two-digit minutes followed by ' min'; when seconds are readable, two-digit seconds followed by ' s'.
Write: 2 h 09 min
